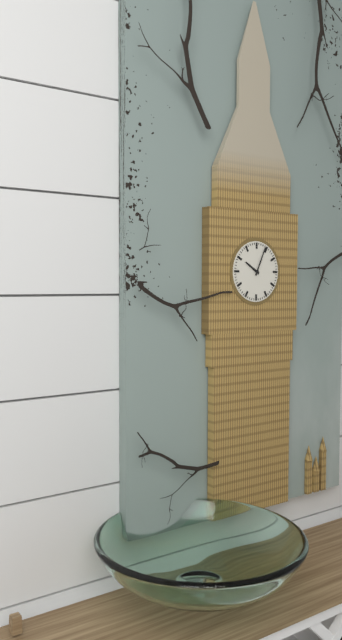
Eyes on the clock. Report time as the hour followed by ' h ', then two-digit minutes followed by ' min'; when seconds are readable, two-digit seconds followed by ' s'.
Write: 10 h 04 min
